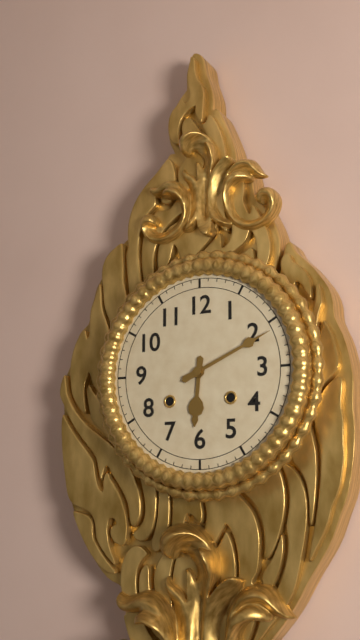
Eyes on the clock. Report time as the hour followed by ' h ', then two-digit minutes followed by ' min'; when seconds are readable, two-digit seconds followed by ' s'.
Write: 6 h 11 min
